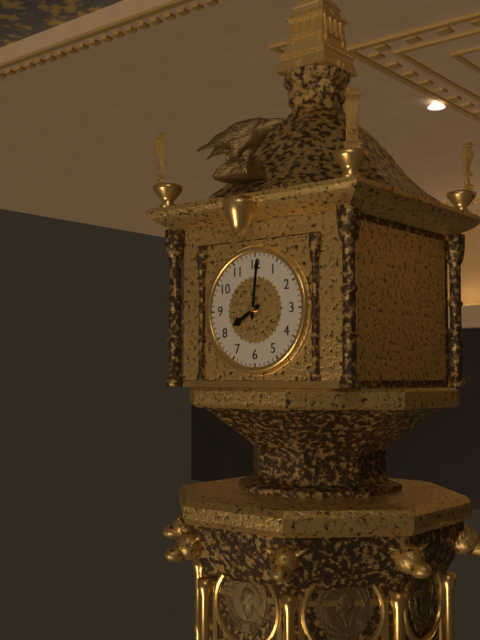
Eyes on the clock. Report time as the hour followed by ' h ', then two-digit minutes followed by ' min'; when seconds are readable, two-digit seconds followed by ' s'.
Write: 8 h 01 min
